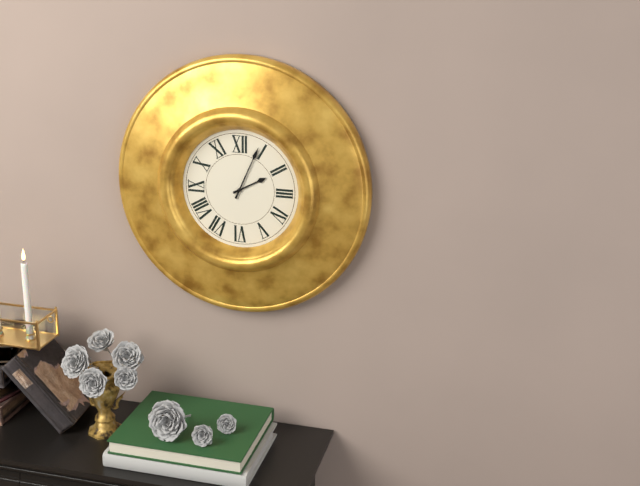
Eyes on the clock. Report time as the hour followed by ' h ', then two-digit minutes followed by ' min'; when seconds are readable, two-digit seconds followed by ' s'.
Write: 2 h 04 min
